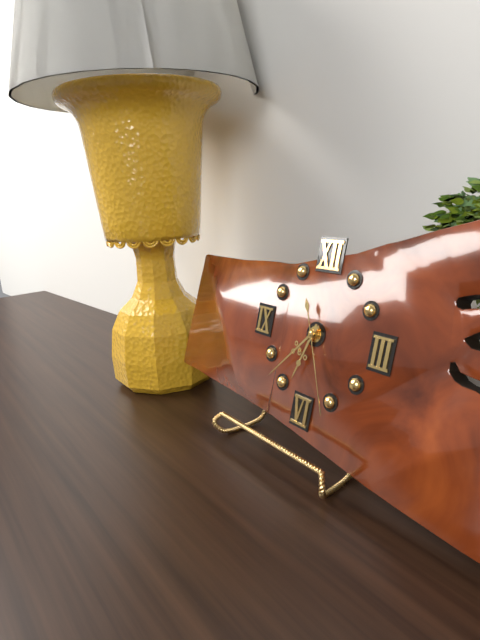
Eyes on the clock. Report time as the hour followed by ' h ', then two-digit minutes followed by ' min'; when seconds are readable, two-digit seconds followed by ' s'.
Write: 6 h 37 min 26 s
